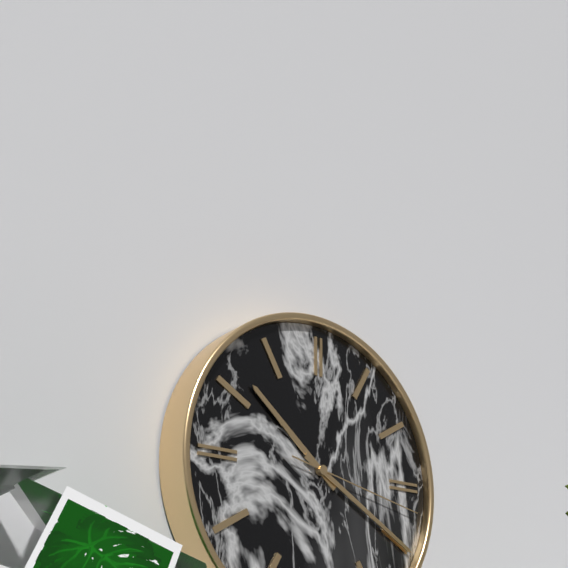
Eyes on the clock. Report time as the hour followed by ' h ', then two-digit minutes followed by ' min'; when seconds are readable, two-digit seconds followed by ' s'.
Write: 10 h 20 min 17 s
